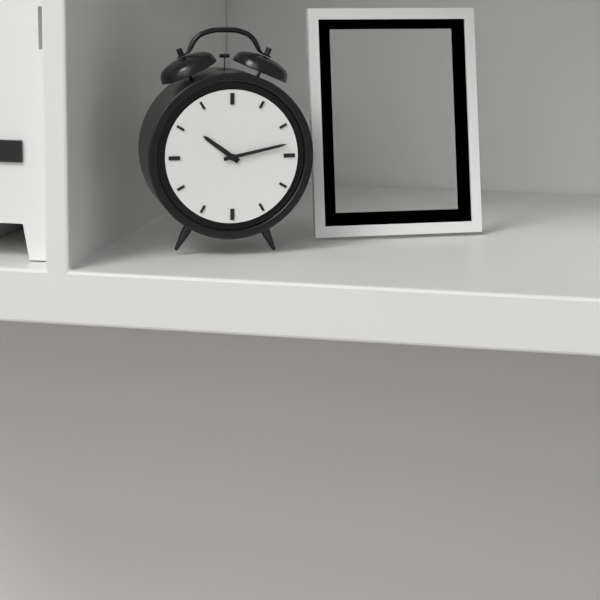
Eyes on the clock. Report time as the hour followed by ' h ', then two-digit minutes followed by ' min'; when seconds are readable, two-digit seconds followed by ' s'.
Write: 10 h 13 min
